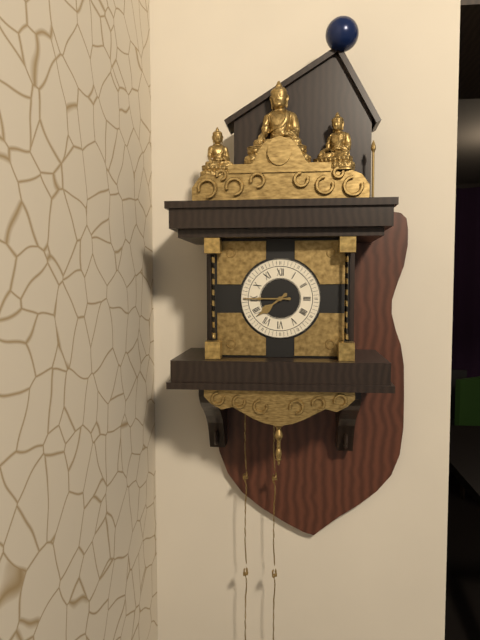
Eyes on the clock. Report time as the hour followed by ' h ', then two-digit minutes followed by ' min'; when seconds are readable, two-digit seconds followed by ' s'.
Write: 7 h 45 min
